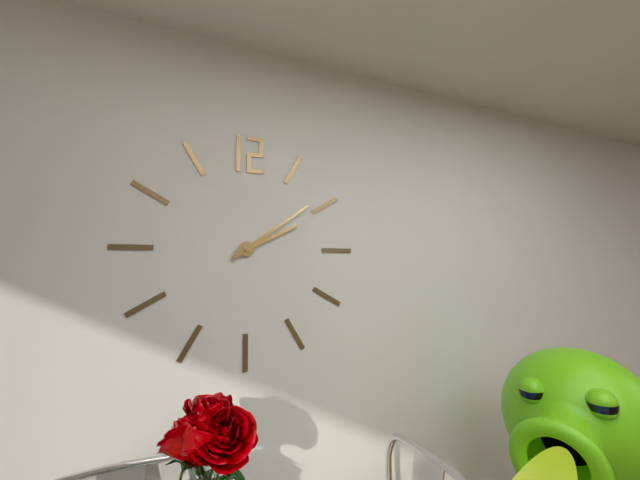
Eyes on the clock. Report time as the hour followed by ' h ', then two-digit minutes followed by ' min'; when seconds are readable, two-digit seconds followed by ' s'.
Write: 2 h 09 min
